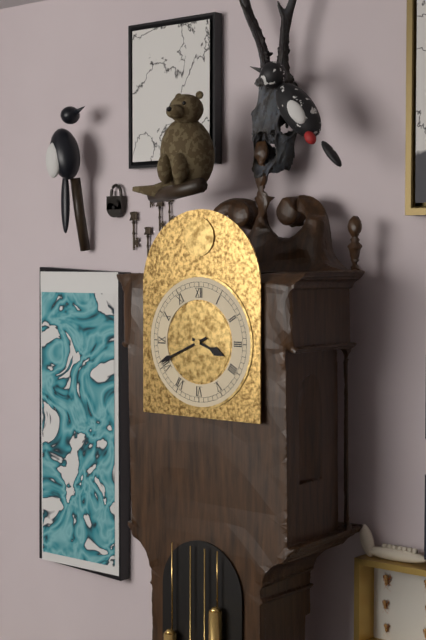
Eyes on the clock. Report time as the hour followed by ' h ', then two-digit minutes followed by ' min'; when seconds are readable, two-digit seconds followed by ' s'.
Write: 3 h 41 min
